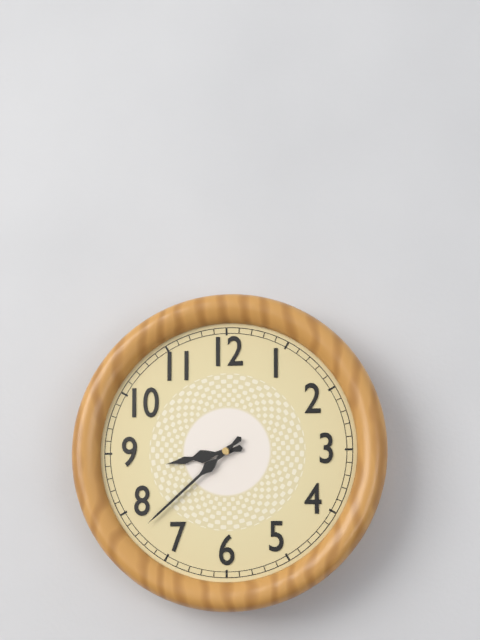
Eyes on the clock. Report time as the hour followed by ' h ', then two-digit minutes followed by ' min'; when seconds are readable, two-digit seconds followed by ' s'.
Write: 8 h 38 min
